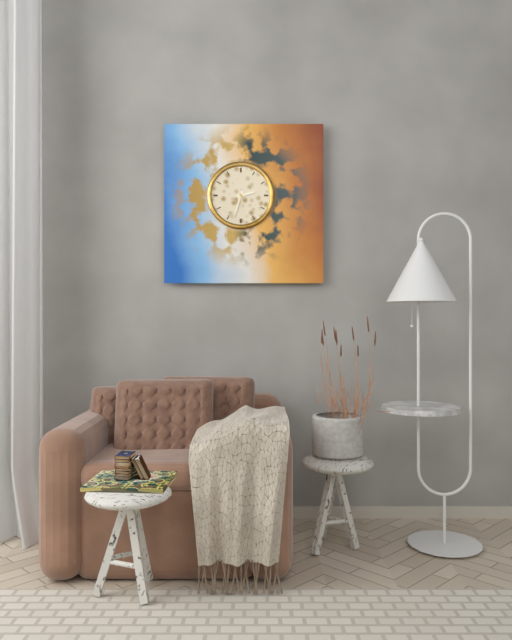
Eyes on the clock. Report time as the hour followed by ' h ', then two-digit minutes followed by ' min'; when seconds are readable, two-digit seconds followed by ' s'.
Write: 2 h 33 min
